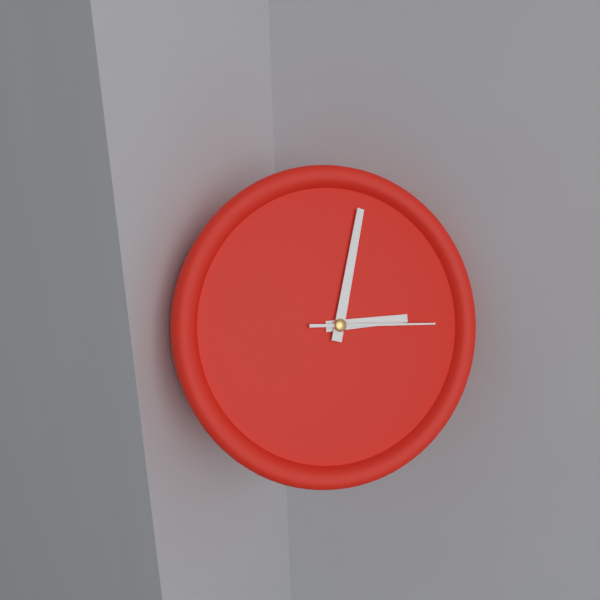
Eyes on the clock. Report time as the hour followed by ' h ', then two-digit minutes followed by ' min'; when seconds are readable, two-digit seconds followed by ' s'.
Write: 3 h 03 min 16 s
